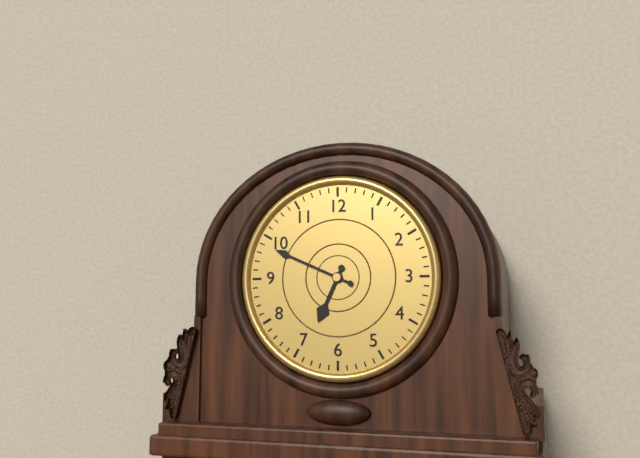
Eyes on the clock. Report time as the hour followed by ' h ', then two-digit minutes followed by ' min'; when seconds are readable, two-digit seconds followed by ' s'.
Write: 6 h 49 min
